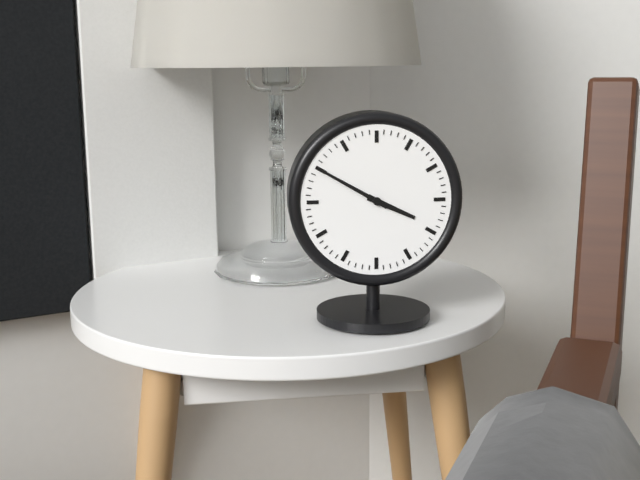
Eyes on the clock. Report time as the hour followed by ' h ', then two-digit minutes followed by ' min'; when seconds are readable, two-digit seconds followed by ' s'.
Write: 3 h 50 min
